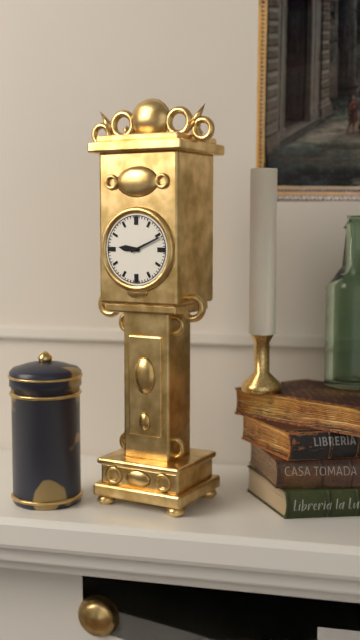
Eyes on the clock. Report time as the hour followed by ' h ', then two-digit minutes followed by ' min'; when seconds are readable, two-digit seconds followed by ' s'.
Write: 9 h 11 min
